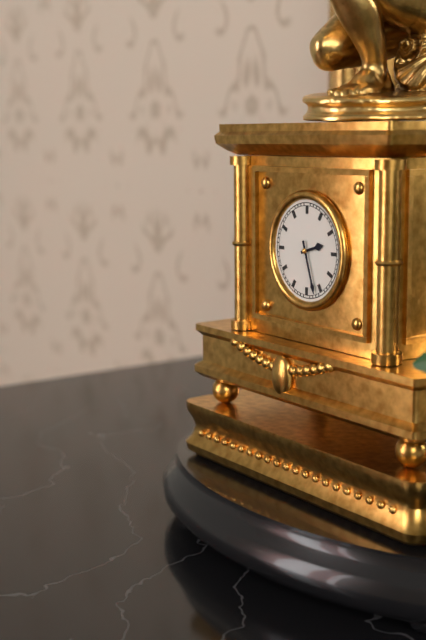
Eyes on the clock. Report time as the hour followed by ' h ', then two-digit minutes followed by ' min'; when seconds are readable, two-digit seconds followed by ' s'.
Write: 2 h 27 min
